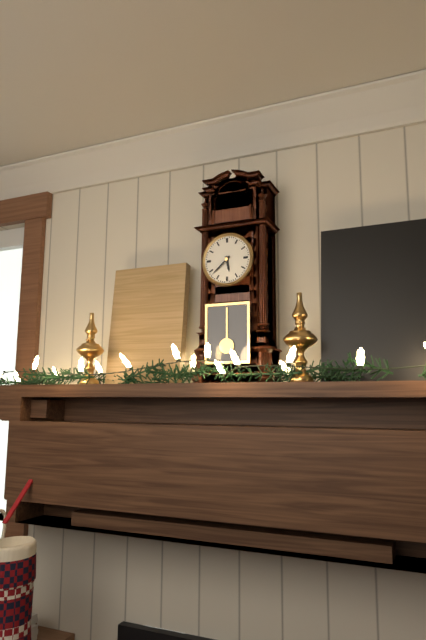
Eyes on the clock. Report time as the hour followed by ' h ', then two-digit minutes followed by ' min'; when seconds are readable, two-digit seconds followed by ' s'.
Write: 5 h 38 min
